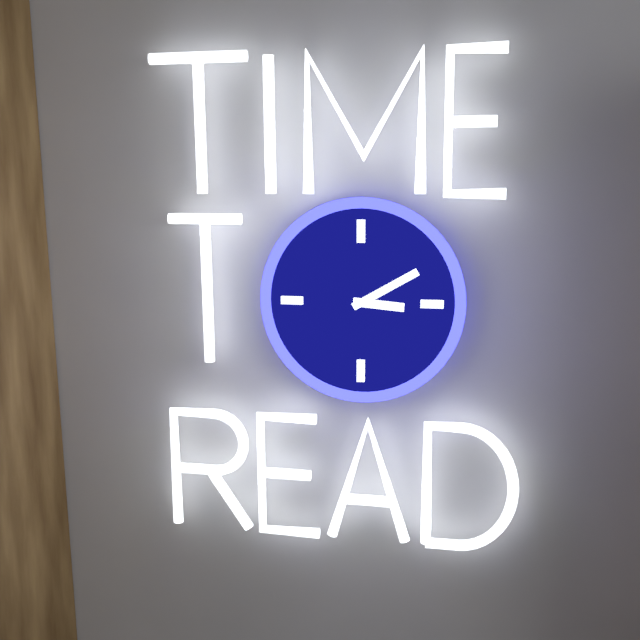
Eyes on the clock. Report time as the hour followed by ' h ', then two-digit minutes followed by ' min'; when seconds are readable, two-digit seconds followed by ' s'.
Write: 3 h 10 min
